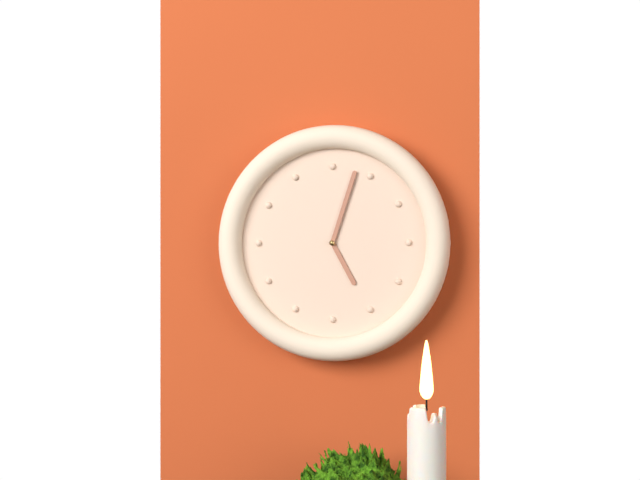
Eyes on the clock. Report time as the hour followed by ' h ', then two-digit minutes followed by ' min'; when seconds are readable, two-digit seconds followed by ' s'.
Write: 5 h 03 min
